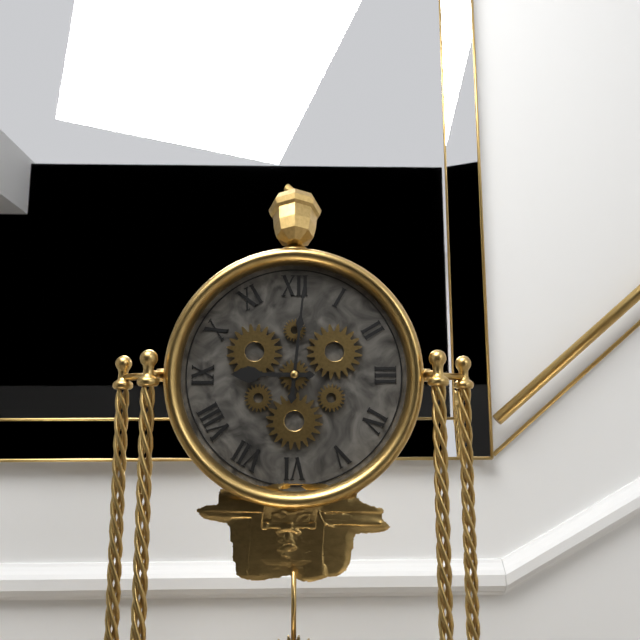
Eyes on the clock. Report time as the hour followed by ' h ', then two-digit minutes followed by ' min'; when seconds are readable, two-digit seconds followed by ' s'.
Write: 9 h 01 min
